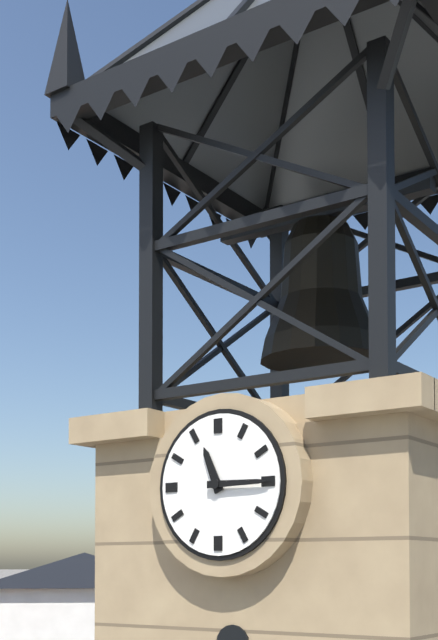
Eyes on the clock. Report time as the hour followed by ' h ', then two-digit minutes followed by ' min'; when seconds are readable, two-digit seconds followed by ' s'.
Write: 11 h 15 min
